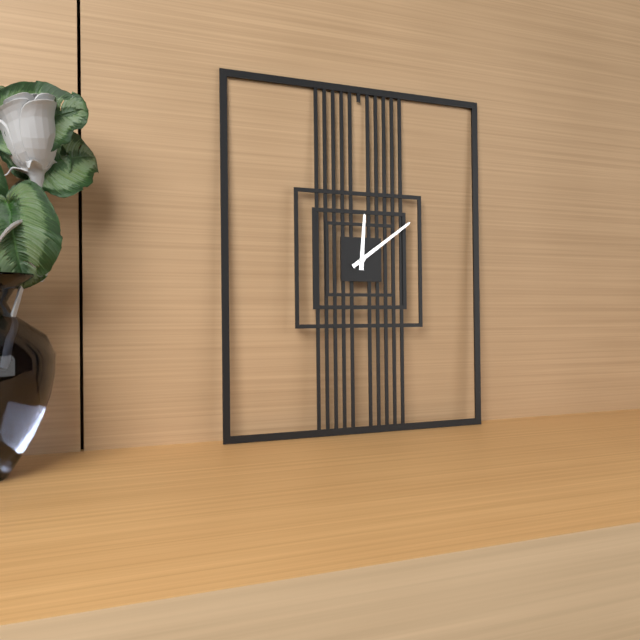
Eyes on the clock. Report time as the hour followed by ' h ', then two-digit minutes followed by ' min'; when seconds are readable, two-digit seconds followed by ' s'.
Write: 12 h 09 min
